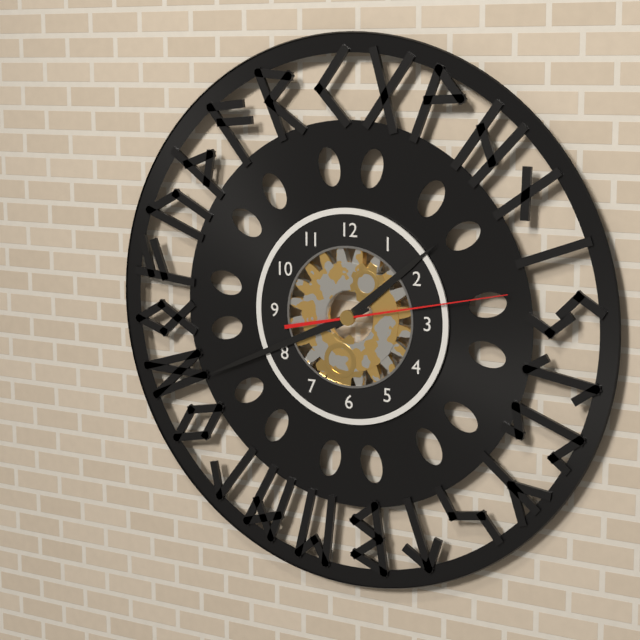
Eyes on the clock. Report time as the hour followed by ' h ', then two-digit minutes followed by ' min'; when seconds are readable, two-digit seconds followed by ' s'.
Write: 1 h 41 min 13 s
